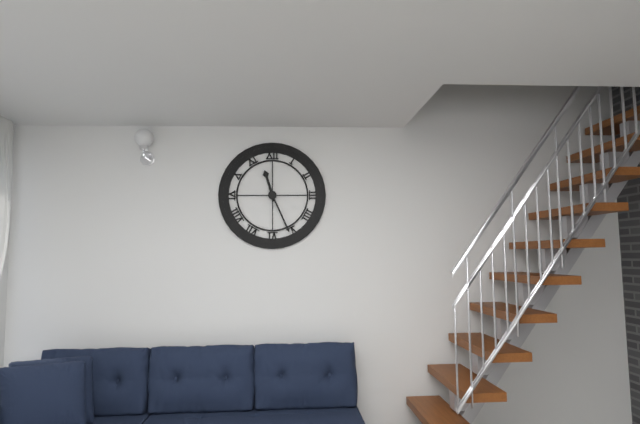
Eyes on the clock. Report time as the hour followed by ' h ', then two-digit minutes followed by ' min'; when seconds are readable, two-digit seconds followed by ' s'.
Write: 11 h 26 min
